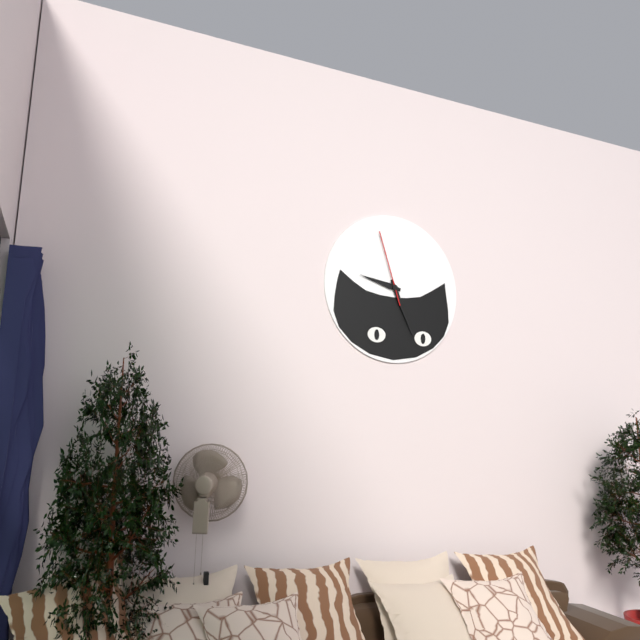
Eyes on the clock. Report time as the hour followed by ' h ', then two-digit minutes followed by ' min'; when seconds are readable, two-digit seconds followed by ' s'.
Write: 9 h 26 min 57 s
